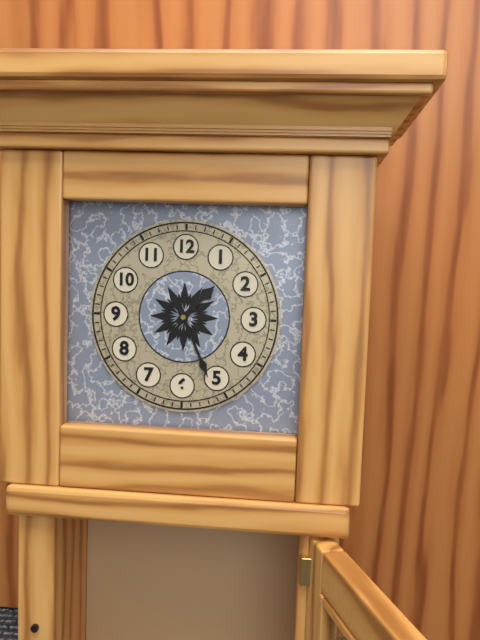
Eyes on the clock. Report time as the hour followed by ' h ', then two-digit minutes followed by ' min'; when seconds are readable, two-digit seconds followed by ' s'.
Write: 1 h 26 min
